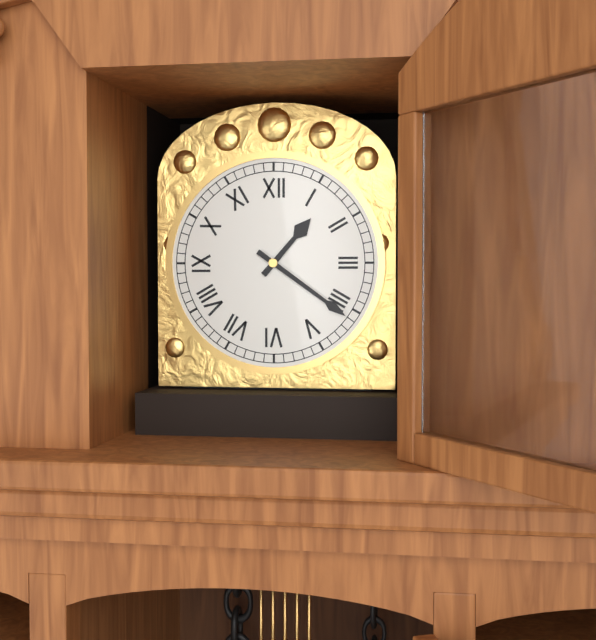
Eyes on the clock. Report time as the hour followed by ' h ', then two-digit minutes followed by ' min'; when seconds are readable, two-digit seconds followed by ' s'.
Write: 1 h 21 min
